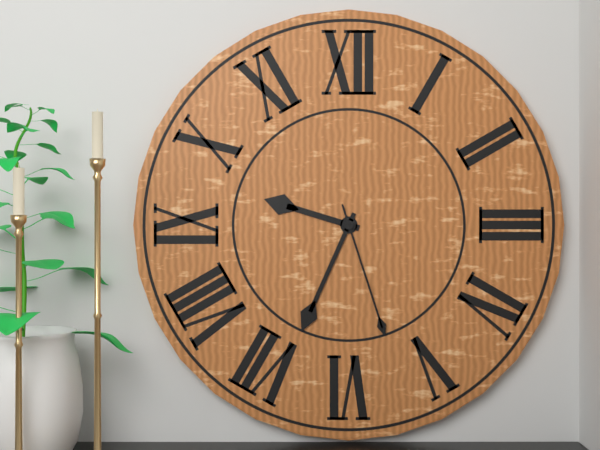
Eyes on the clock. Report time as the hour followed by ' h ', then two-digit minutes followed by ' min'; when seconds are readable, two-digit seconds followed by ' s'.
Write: 9 h 34 min 27 s
